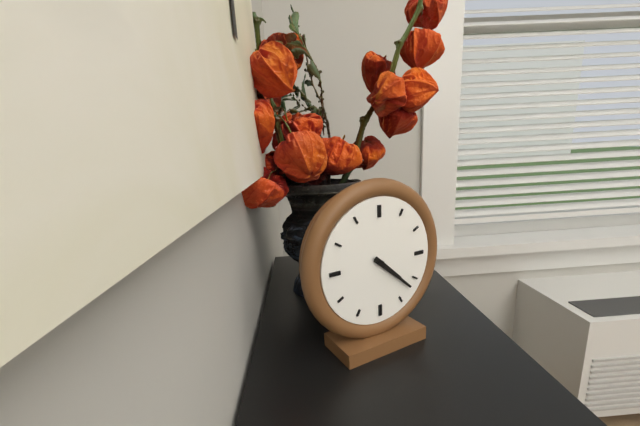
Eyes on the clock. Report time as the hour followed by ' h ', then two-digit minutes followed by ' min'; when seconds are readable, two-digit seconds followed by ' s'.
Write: 4 h 22 min
